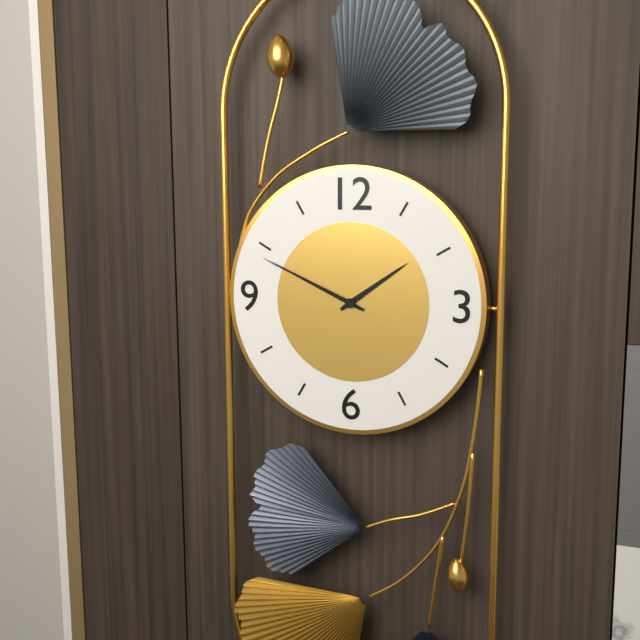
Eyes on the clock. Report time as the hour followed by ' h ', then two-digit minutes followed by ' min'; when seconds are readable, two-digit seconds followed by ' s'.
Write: 1 h 49 min
